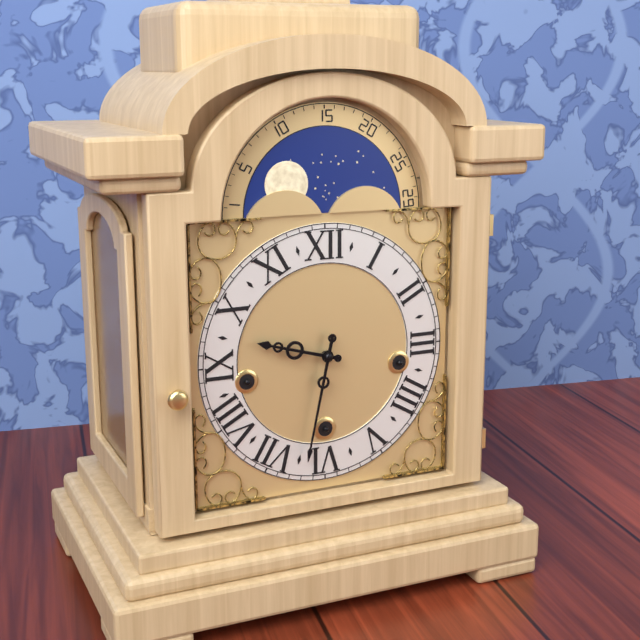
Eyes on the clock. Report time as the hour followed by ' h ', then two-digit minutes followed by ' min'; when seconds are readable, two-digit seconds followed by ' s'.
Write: 9 h 32 min
